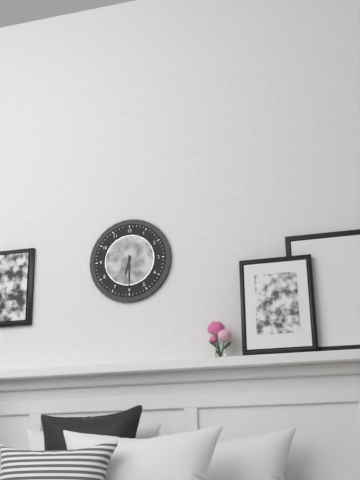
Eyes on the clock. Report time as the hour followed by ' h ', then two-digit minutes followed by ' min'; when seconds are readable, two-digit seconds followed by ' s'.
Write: 6 h 30 min
